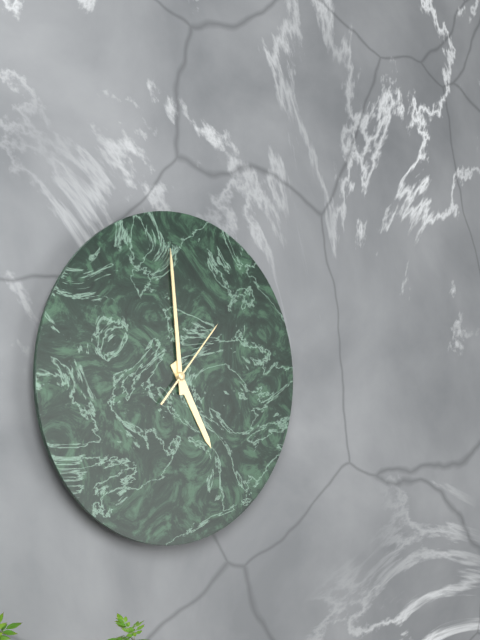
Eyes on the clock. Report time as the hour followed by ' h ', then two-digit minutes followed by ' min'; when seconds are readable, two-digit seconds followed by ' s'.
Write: 4 h 59 min 07 s
